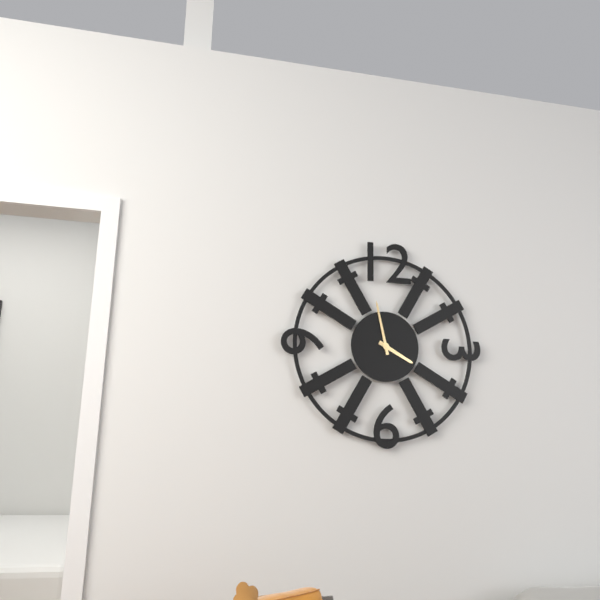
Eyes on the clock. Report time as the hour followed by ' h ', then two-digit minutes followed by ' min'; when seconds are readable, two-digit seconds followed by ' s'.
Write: 3 h 58 min
